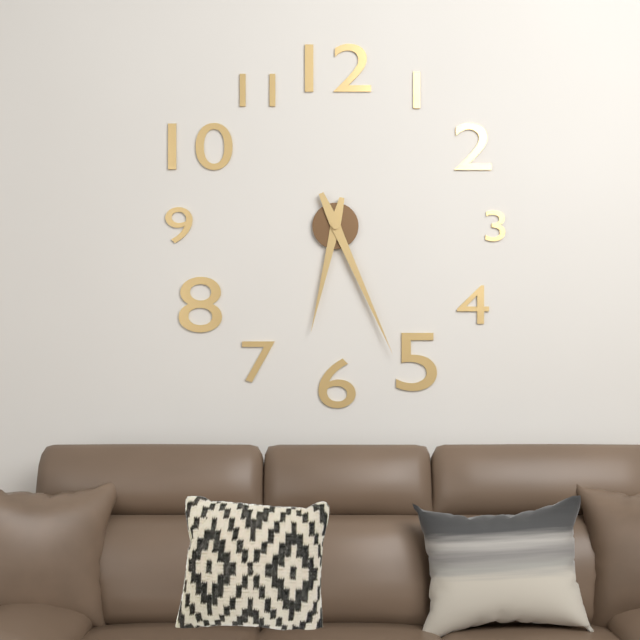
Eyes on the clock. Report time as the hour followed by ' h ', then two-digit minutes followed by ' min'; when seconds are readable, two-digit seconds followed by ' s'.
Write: 6 h 26 min
